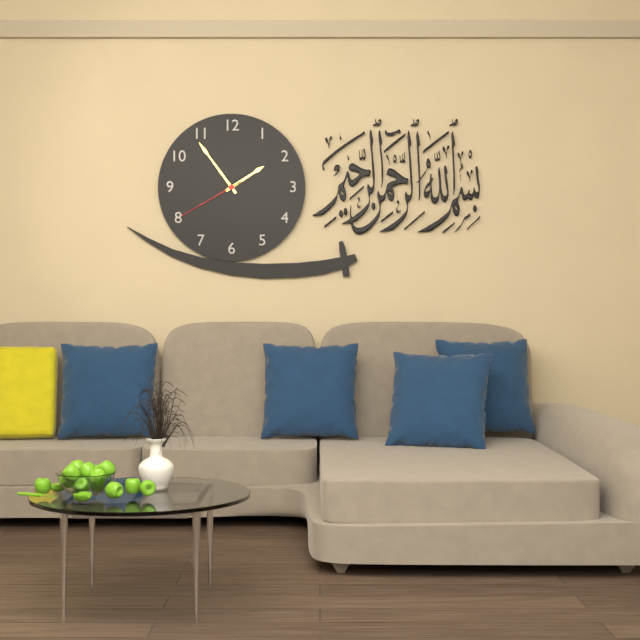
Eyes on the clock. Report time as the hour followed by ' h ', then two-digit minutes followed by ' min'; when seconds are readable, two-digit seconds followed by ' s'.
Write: 1 h 54 min 40 s
